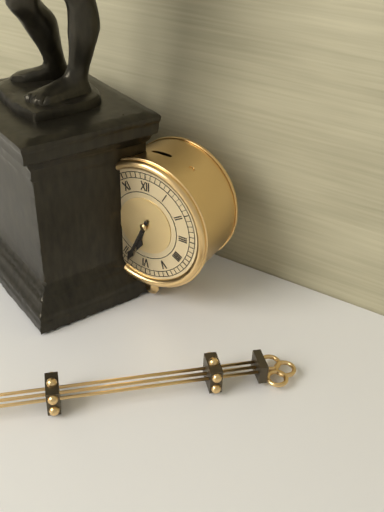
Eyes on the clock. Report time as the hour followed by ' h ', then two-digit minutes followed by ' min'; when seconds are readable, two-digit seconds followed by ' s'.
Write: 6 h 34 min
